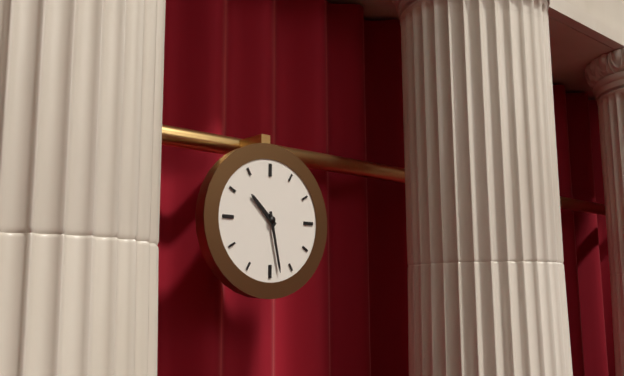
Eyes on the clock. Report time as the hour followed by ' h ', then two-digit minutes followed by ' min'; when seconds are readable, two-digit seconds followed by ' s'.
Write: 10 h 28 min
